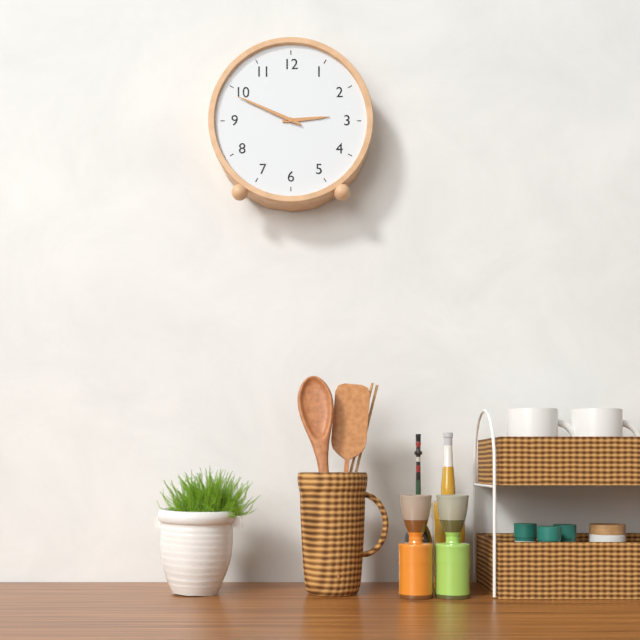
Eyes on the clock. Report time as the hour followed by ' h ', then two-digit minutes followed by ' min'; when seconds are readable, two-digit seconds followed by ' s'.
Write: 2 h 49 min
